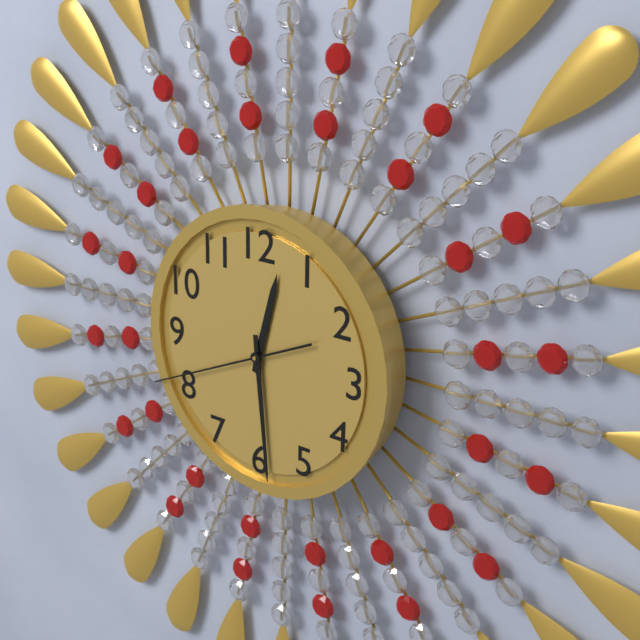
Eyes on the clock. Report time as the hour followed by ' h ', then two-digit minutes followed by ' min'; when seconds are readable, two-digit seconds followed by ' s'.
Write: 12 h 29 min 41 s
